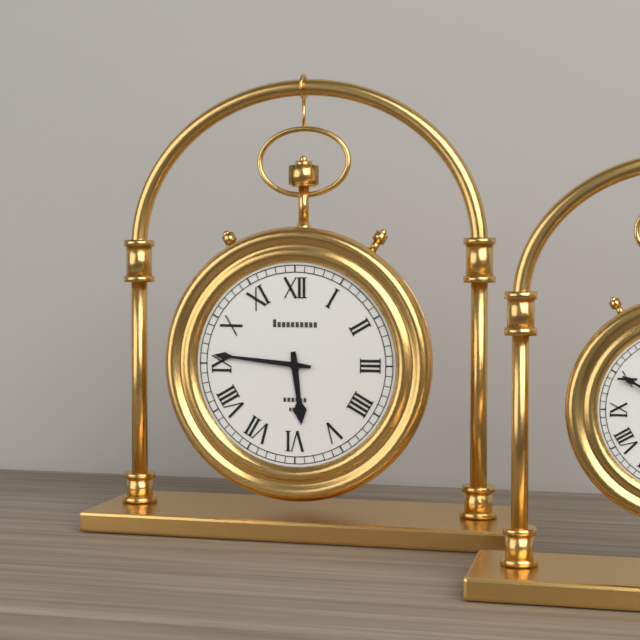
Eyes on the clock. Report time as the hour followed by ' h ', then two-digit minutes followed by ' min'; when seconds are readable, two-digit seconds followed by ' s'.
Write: 5 h 46 min
